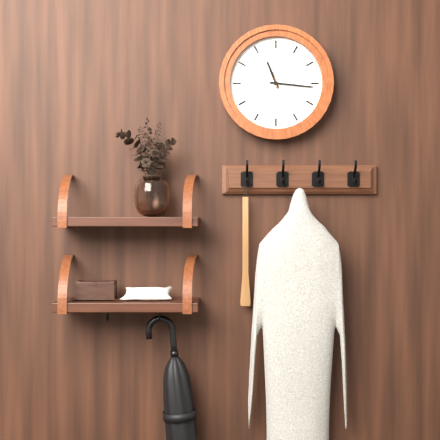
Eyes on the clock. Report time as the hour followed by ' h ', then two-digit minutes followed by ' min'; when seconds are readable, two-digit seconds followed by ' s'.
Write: 11 h 16 min 58 s
